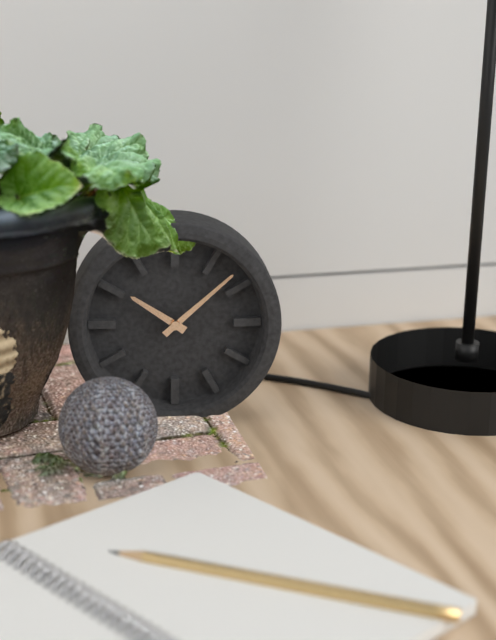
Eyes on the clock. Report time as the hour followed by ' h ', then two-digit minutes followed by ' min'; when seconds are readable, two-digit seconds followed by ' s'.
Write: 10 h 08 min
